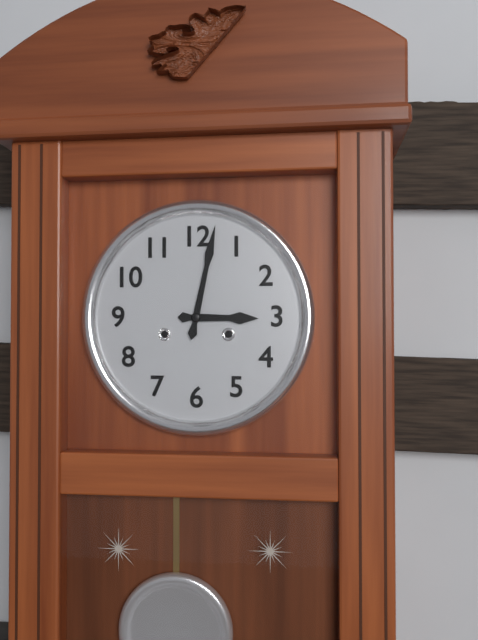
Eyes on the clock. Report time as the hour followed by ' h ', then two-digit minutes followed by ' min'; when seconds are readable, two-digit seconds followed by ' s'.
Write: 3 h 02 min
